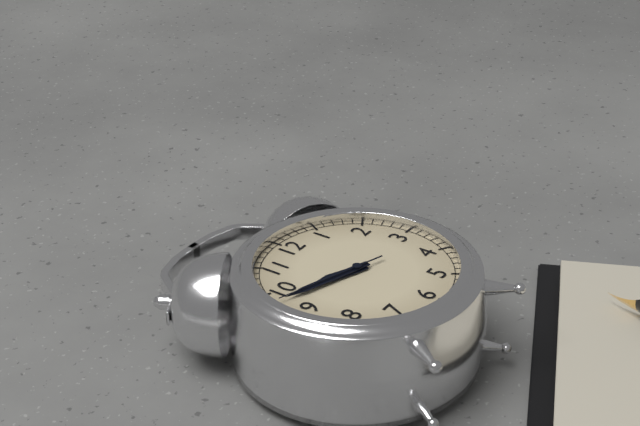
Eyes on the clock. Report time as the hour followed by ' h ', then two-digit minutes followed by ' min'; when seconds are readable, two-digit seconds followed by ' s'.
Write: 9 h 48 min 48 s
